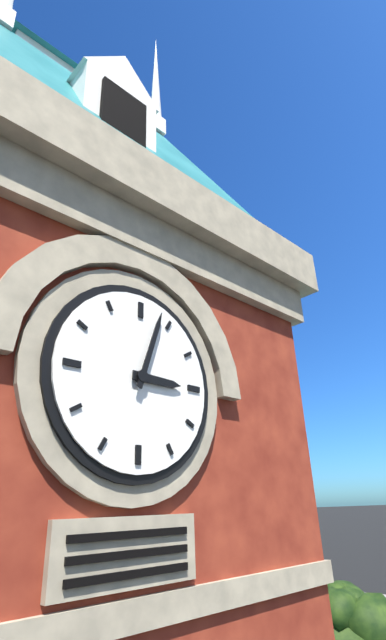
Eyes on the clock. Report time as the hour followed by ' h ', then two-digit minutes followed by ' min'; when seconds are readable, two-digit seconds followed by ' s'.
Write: 3 h 03 min
